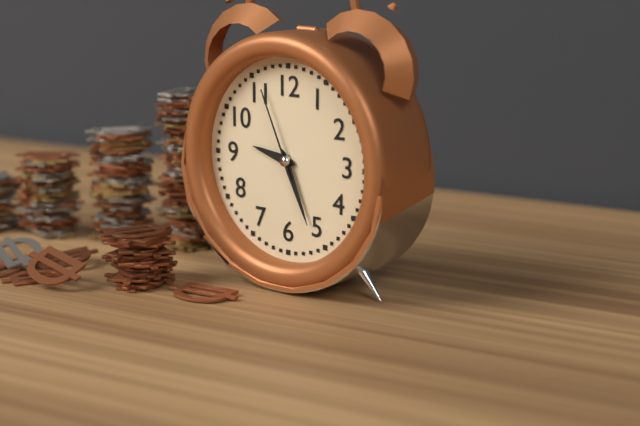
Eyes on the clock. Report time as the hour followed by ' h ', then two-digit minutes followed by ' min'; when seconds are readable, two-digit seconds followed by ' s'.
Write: 9 h 26 min 56 s
